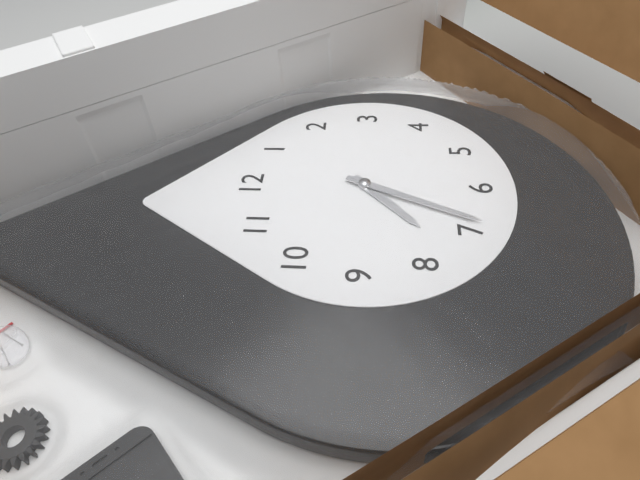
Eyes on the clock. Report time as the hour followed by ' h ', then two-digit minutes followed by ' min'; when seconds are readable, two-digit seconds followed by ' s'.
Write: 7 h 34 min
